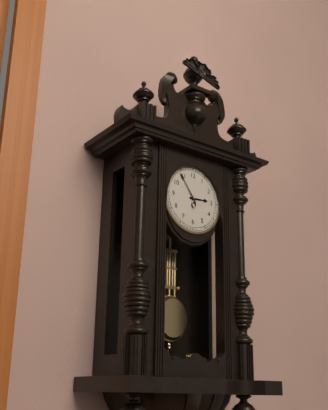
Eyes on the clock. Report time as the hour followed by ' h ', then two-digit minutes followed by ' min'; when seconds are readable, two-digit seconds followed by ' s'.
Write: 2 h 54 min
